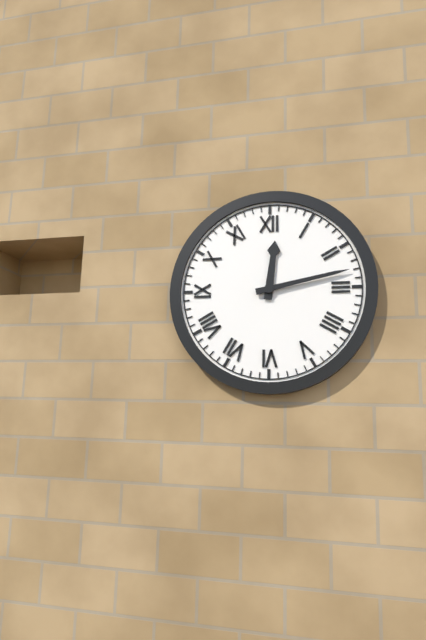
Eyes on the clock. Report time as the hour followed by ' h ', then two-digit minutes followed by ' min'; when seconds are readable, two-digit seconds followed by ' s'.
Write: 12 h 13 min
